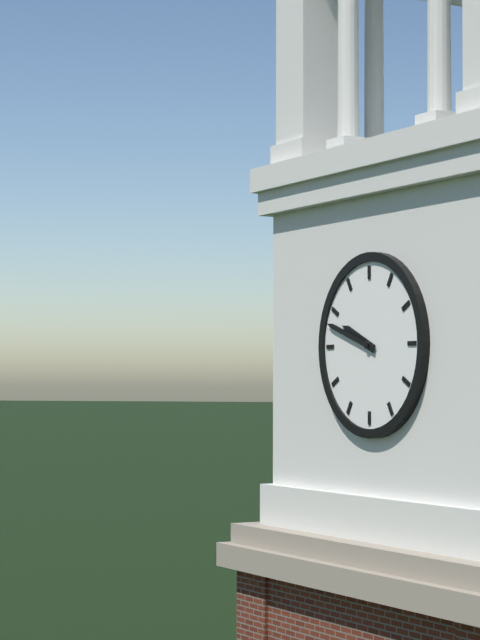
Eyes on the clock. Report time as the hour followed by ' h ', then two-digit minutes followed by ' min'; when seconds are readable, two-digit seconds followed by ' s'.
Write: 9 h 48 min
